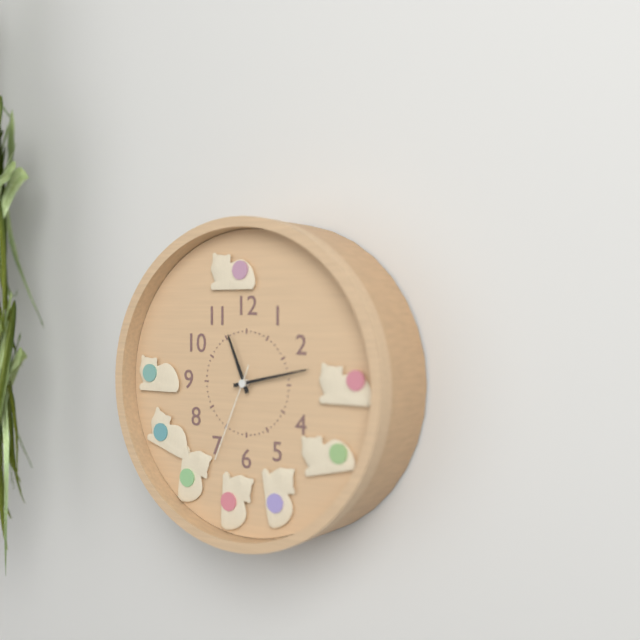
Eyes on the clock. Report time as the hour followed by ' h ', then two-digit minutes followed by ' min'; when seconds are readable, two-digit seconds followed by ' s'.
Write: 11 h 13 min 34 s
